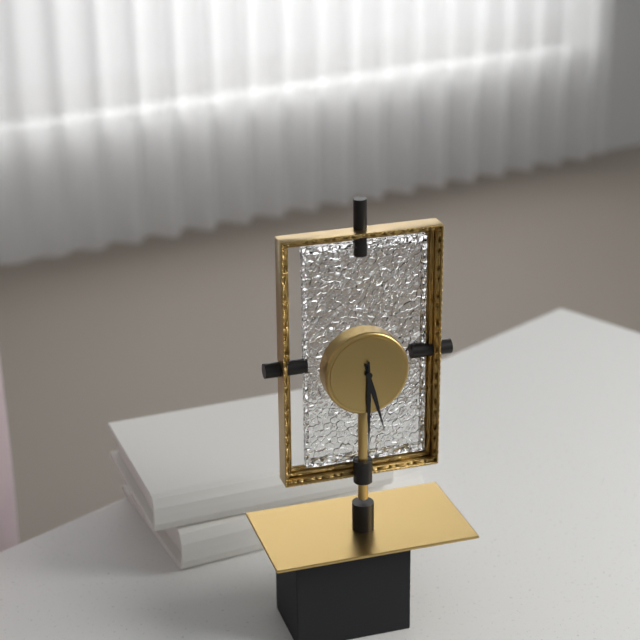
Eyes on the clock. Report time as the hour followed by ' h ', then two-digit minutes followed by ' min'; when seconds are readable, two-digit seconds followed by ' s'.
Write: 5 h 30 min
